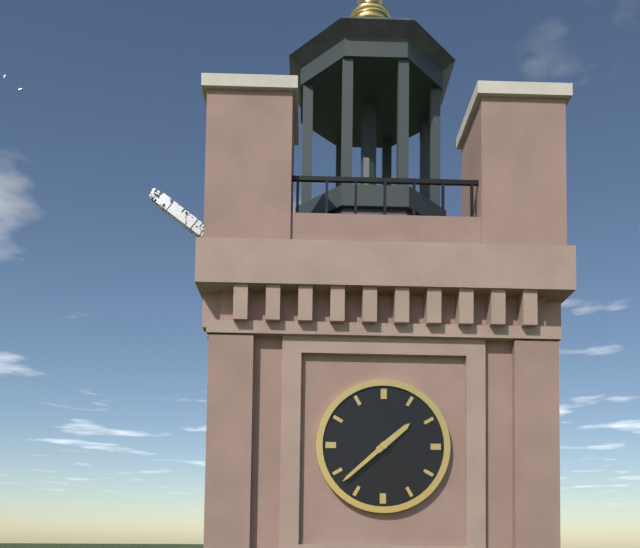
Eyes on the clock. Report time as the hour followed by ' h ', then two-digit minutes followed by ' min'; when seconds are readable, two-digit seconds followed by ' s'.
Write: 1 h 38 min
